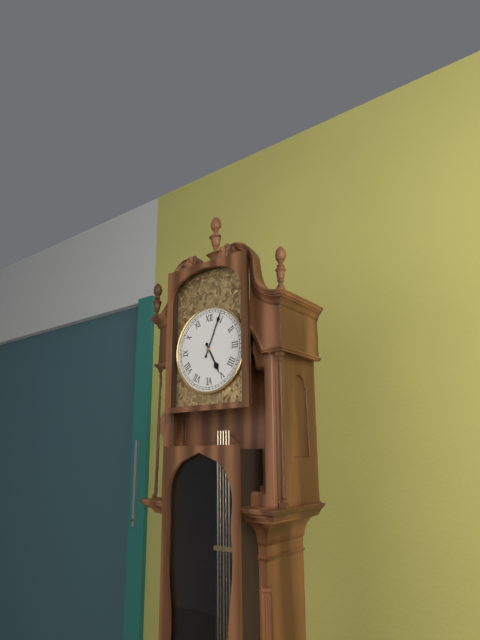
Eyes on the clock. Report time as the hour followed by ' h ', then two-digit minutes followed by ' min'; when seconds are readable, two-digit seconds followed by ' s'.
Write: 5 h 04 min
